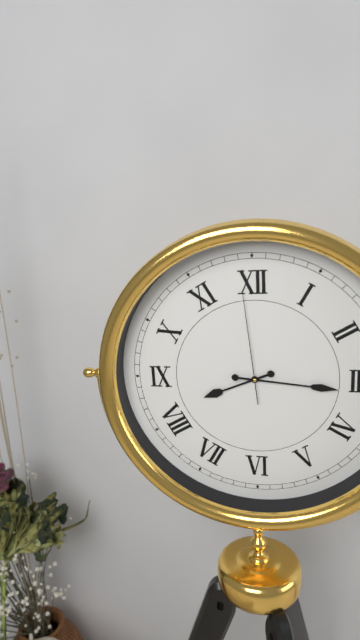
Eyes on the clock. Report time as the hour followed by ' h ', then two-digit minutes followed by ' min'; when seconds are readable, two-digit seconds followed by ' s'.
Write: 8 h 16 min 59 s
